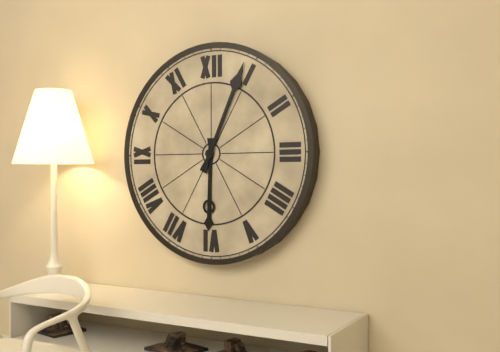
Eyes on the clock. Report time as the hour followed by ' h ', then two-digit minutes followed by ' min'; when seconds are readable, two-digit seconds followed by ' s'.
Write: 6 h 04 min
